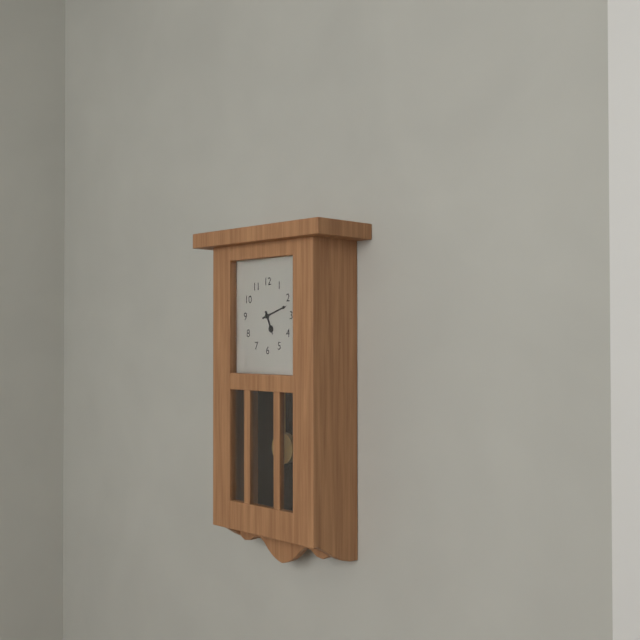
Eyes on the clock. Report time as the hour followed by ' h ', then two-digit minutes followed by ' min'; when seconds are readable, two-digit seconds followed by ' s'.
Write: 5 h 12 min
